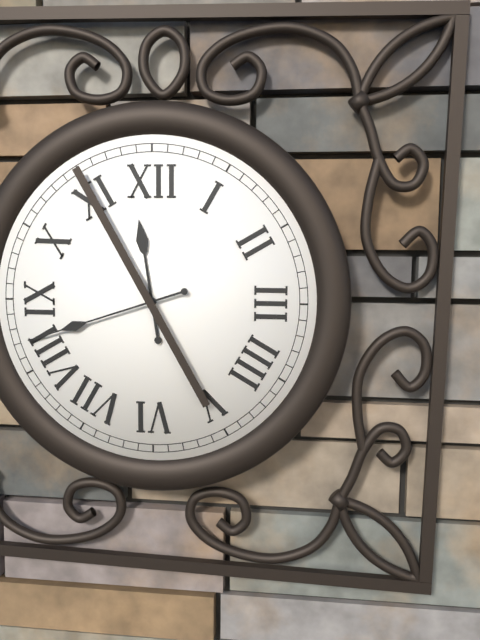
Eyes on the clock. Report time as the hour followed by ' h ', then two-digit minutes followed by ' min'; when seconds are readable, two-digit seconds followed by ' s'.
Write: 11 h 42 min
